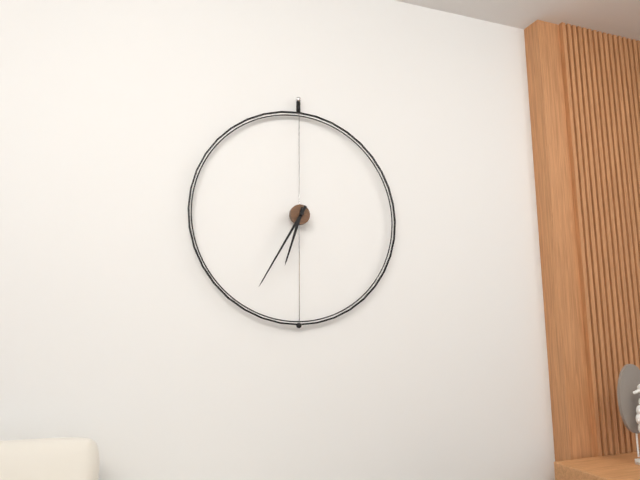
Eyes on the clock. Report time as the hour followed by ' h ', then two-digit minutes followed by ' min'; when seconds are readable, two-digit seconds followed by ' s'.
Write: 6 h 35 min
